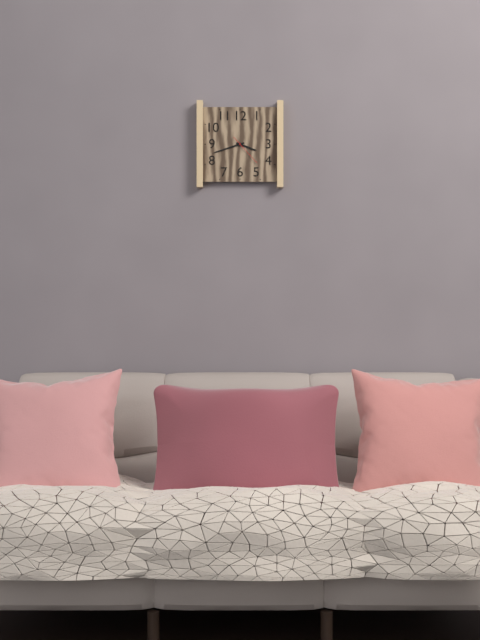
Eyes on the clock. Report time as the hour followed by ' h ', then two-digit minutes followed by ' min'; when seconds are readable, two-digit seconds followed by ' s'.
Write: 3 h 42 min
